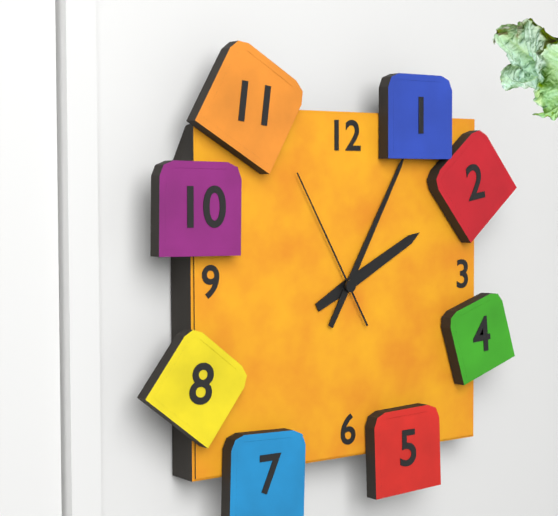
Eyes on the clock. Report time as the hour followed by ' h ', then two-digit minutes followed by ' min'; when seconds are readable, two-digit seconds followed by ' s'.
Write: 2 h 05 min 55 s
